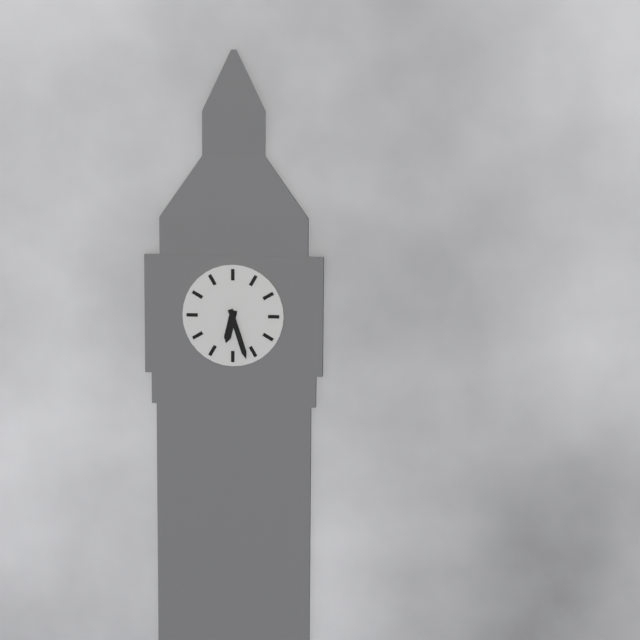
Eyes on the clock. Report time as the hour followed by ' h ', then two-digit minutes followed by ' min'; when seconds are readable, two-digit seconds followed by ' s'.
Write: 6 h 27 min
